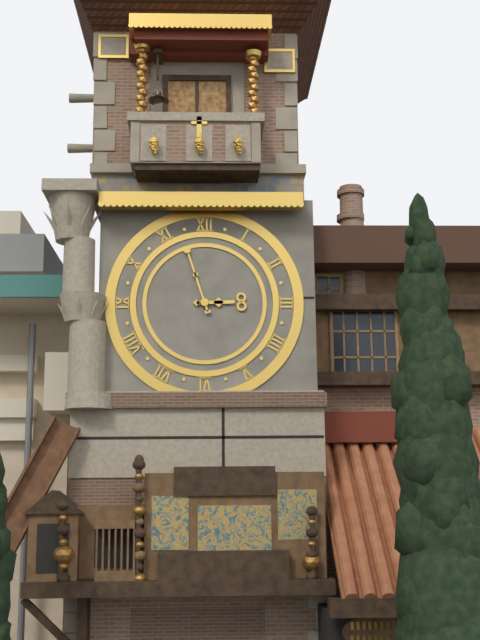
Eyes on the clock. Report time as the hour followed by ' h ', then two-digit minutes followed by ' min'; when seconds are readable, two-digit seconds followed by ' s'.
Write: 2 h 57 min
